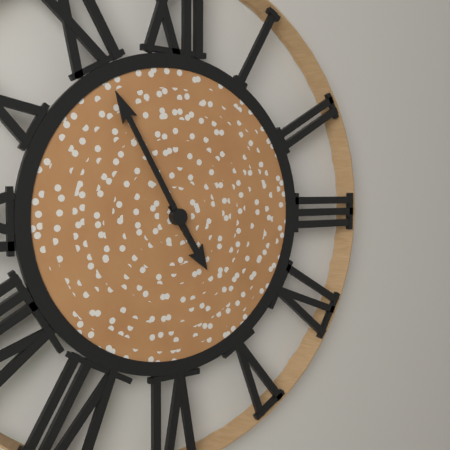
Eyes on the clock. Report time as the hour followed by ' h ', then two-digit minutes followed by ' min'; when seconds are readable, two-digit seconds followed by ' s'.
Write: 4 h 55 min
